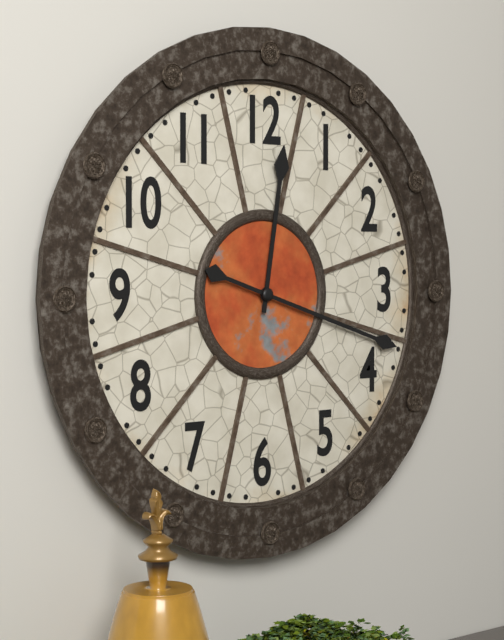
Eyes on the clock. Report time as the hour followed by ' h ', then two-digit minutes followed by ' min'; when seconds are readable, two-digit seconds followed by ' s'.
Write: 12 h 18 min
